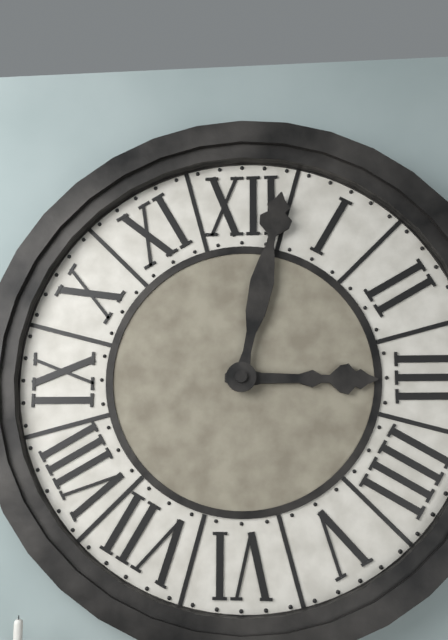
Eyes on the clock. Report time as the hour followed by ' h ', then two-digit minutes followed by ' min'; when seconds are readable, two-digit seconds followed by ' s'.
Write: 3 h 02 min
